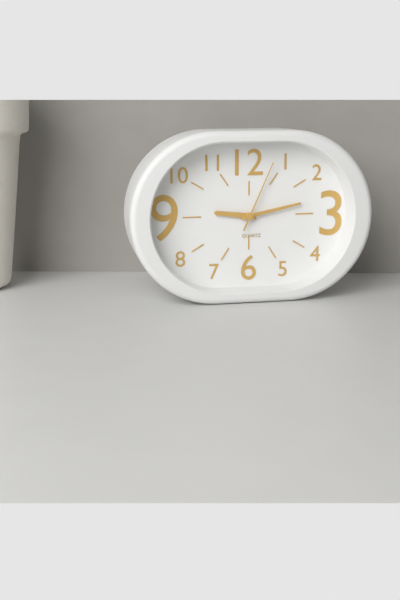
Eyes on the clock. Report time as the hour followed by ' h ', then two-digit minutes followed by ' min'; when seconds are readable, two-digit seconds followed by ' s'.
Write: 9 h 13 min 04 s
